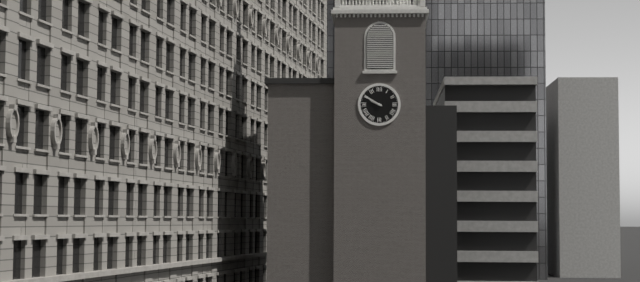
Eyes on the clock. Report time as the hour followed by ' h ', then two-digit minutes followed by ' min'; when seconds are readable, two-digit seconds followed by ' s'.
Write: 9 h 50 min
